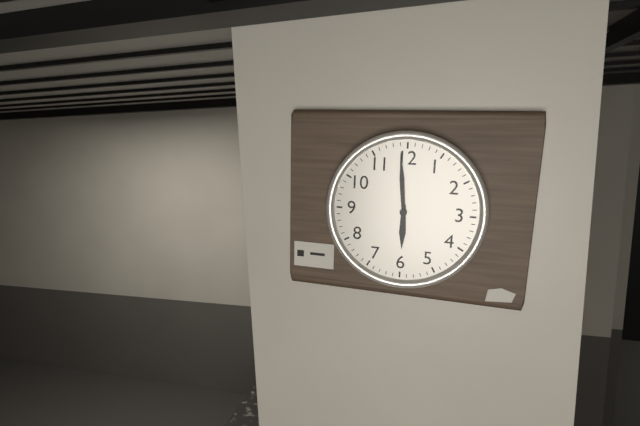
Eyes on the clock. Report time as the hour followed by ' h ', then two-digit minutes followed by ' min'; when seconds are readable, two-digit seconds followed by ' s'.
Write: 5 h 59 min
